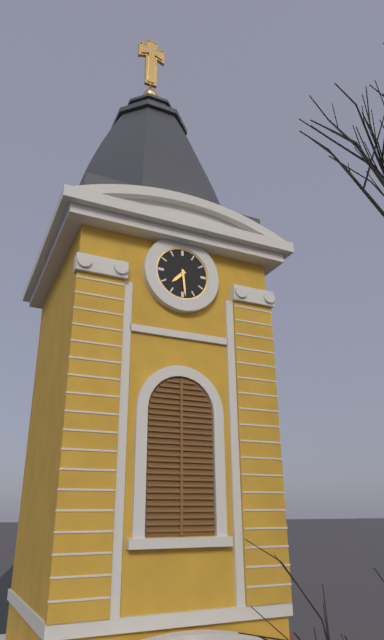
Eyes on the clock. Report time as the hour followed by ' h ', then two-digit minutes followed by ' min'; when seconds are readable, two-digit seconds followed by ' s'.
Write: 7 h 29 min
